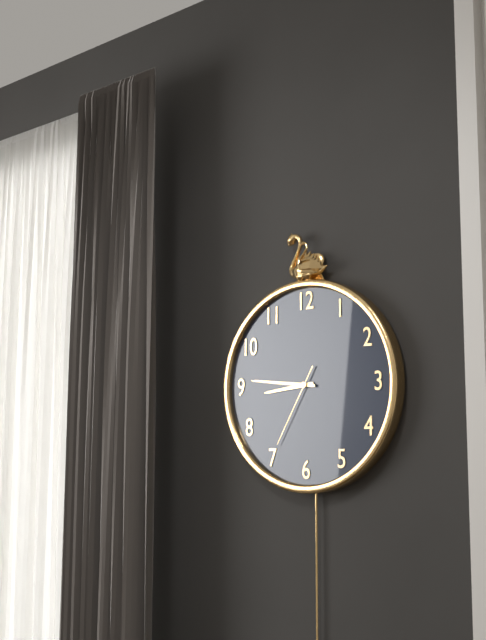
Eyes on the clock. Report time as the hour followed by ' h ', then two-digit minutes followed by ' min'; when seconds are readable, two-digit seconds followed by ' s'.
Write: 8 h 46 min 35 s
